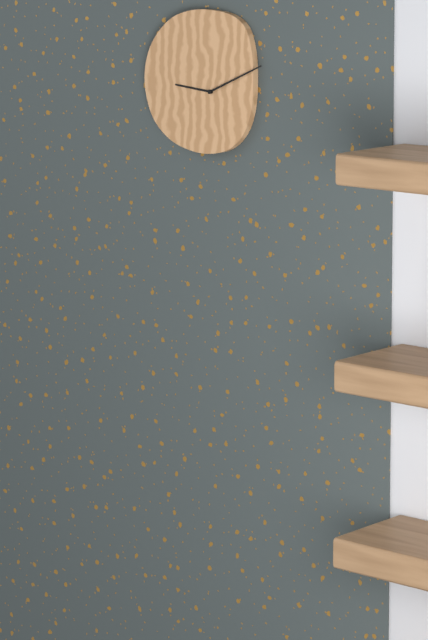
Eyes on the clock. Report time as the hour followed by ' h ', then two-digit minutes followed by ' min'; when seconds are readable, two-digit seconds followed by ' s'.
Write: 9 h 11 min
